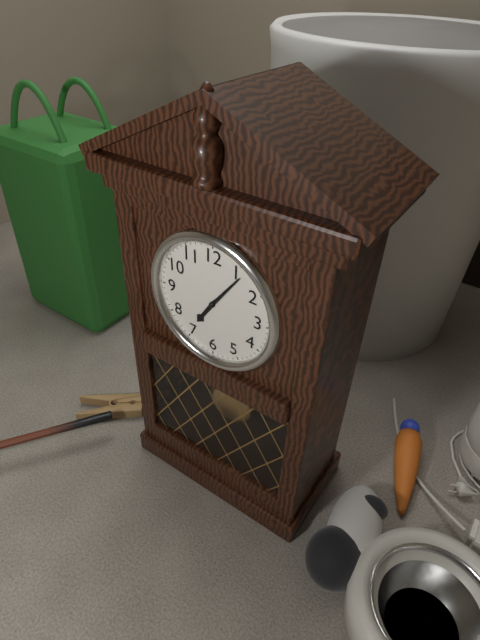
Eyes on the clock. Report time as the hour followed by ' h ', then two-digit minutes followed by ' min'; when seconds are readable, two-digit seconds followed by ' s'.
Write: 7 h 06 min
